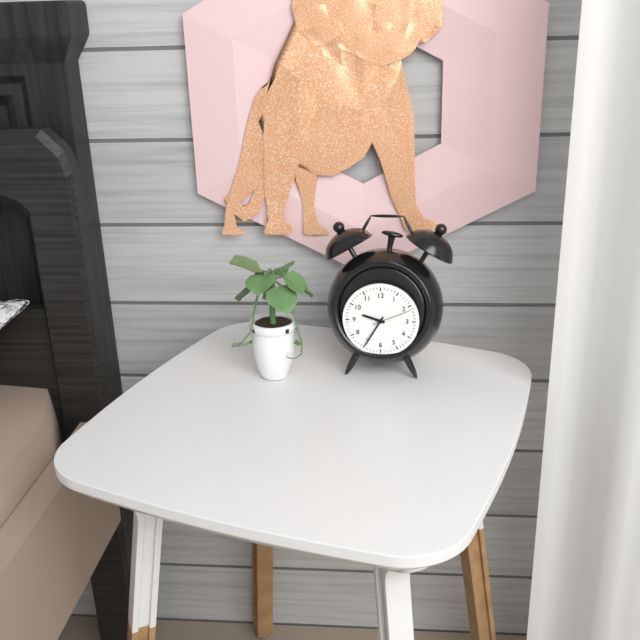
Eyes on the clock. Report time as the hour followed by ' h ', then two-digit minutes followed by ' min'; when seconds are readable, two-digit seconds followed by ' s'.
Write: 9 h 35 min
